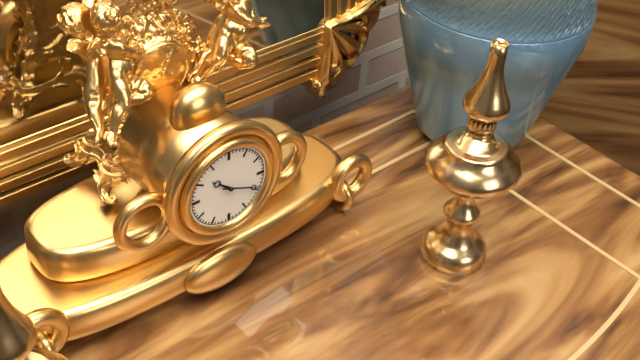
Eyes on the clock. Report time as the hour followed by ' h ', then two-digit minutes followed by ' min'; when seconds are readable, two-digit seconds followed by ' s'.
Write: 10 h 19 min
